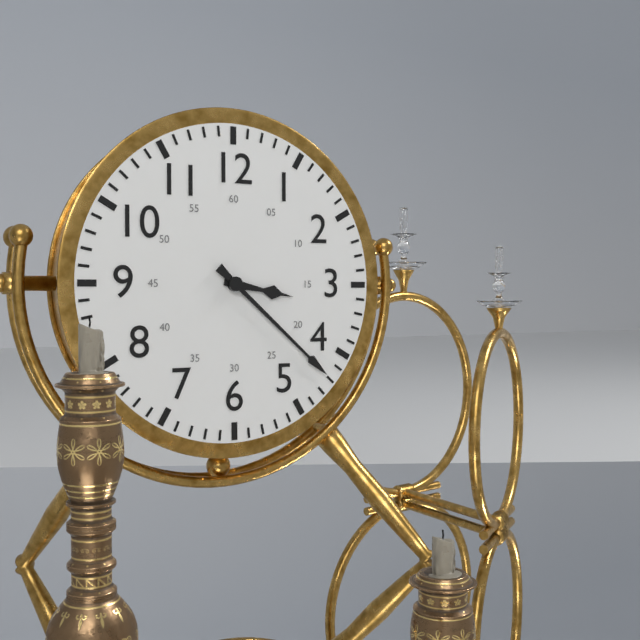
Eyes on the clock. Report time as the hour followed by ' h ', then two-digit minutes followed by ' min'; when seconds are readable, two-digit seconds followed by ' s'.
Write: 3 h 22 min
